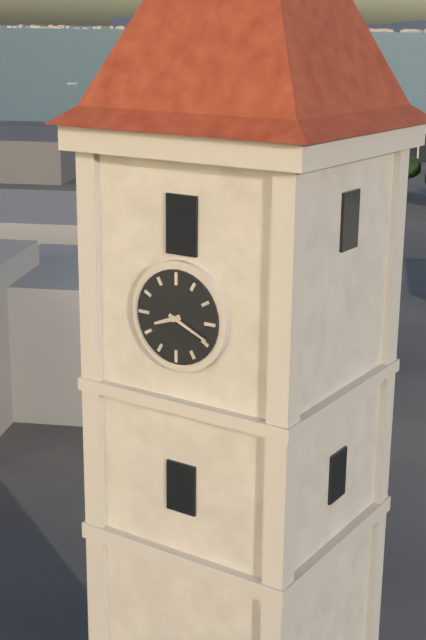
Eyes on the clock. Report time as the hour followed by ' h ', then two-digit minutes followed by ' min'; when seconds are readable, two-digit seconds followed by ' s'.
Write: 8 h 19 min
